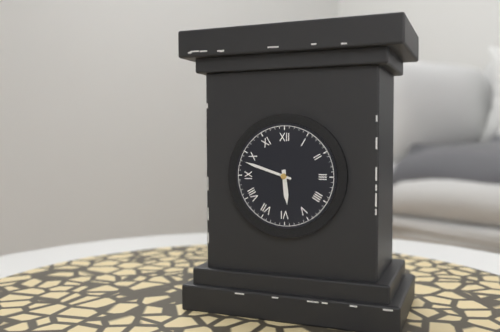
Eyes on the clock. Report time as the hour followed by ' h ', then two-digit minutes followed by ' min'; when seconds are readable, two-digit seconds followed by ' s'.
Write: 5 h 48 min
